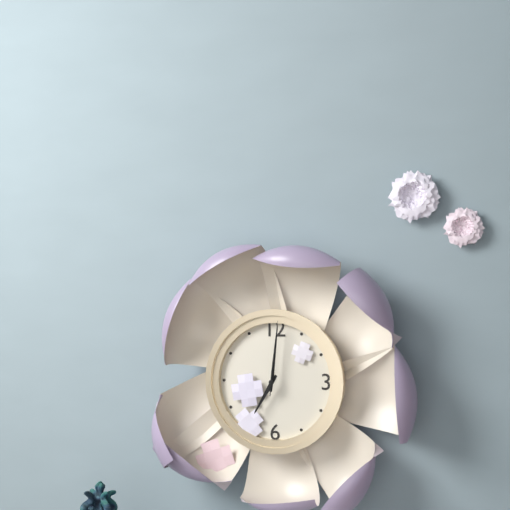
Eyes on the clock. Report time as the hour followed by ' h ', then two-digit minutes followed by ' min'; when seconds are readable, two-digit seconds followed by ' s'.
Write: 7 h 01 min 01 s
